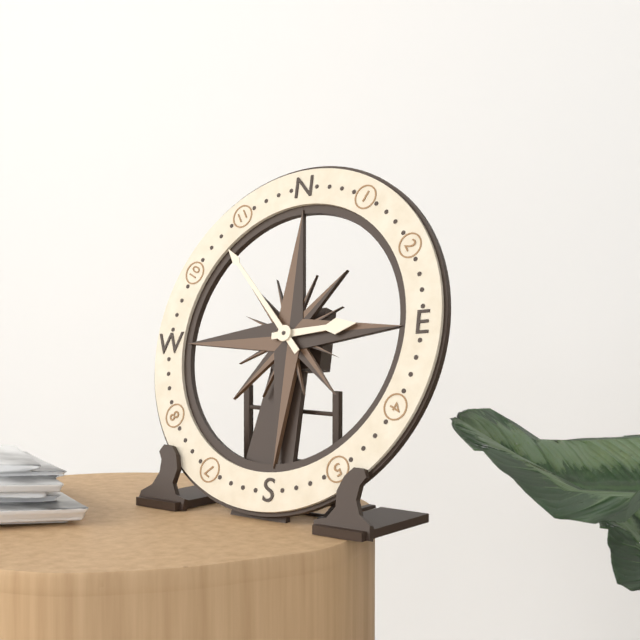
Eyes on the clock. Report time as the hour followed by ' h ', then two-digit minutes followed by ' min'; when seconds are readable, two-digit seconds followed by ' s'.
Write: 2 h 53 min
